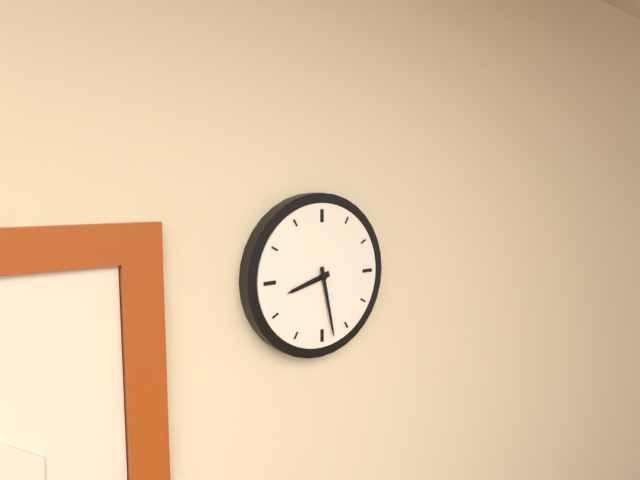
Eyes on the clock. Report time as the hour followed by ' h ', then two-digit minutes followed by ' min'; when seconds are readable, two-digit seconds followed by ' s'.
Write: 8 h 28 min
